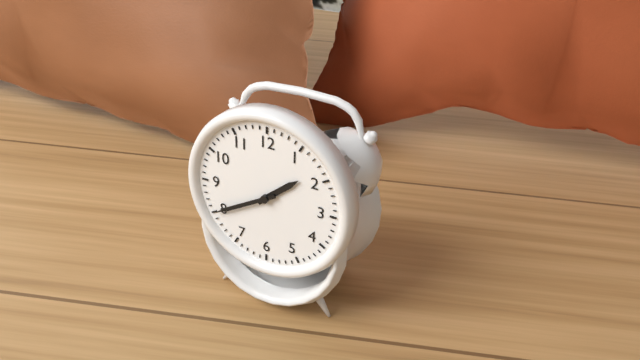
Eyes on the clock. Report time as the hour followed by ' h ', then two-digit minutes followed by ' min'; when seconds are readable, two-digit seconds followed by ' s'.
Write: 1 h 40 min
